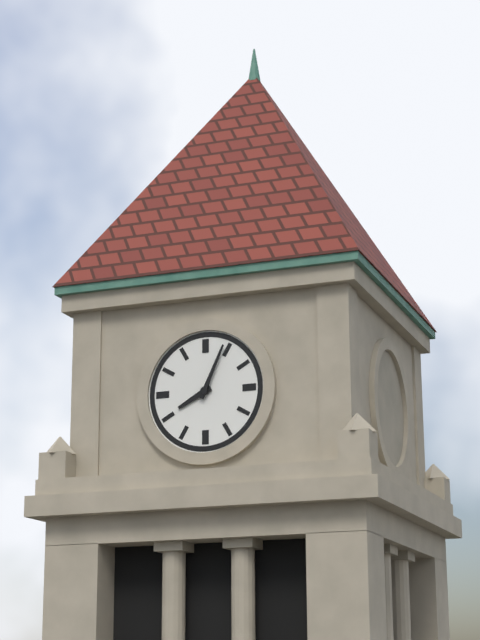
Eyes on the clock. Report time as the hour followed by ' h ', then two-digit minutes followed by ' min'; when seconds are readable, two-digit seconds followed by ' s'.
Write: 8 h 04 min
